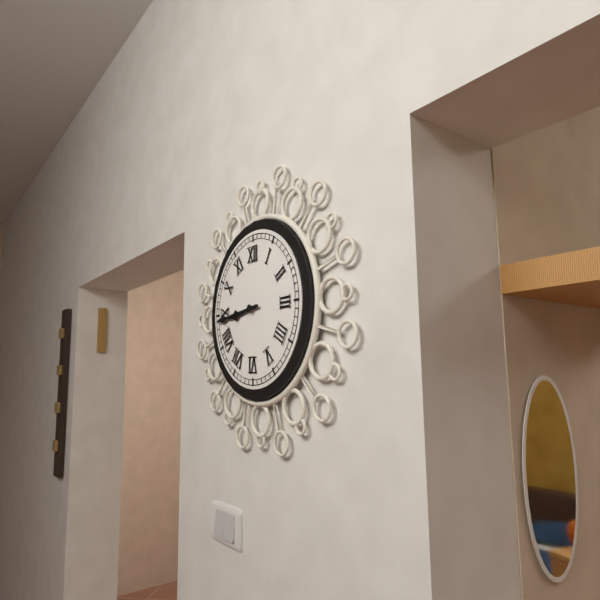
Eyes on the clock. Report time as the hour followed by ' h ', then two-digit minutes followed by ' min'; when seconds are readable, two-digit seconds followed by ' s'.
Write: 8 h 44 min
